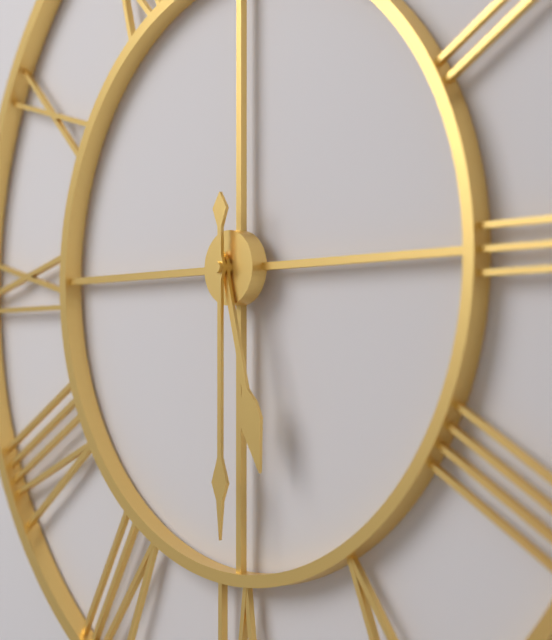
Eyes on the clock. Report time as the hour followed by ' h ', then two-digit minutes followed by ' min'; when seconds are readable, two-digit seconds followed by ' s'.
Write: 5 h 30 min
